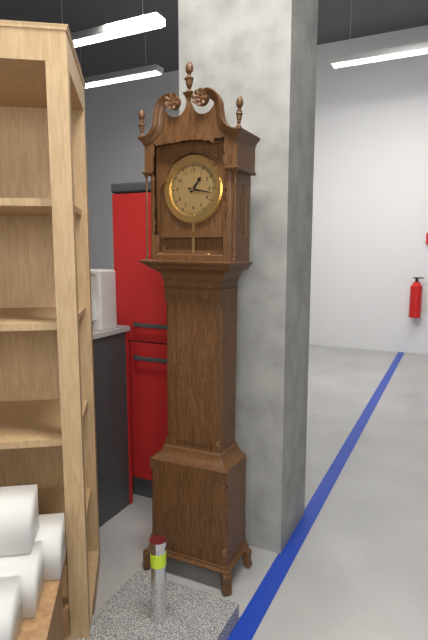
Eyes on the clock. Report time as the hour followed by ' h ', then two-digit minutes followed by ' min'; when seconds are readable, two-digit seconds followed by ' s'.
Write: 1 h 17 min
